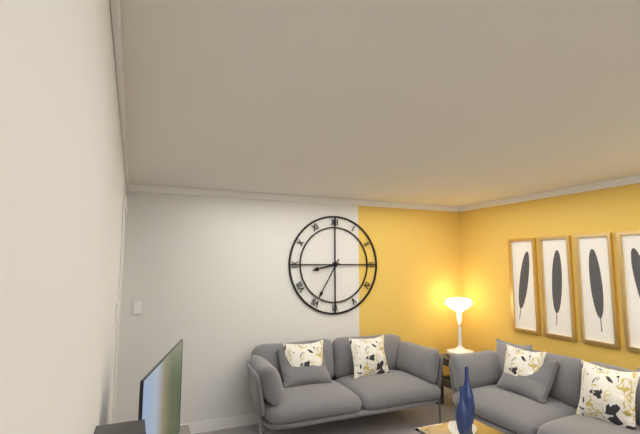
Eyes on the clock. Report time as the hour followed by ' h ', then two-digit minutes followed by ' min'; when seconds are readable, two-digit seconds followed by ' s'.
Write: 8 h 35 min
